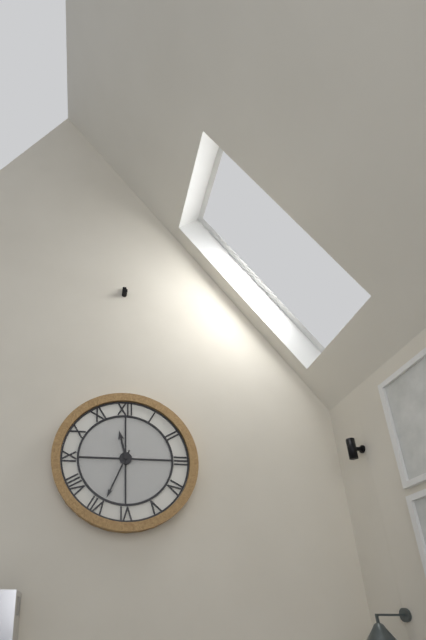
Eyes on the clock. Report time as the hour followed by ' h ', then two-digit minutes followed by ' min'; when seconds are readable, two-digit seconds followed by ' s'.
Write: 11 h 34 min
